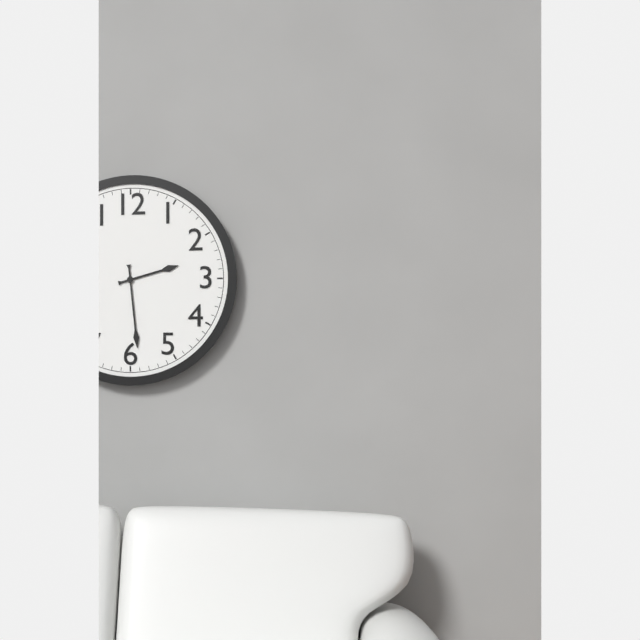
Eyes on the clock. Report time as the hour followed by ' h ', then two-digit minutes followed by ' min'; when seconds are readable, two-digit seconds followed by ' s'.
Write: 2 h 29 min
